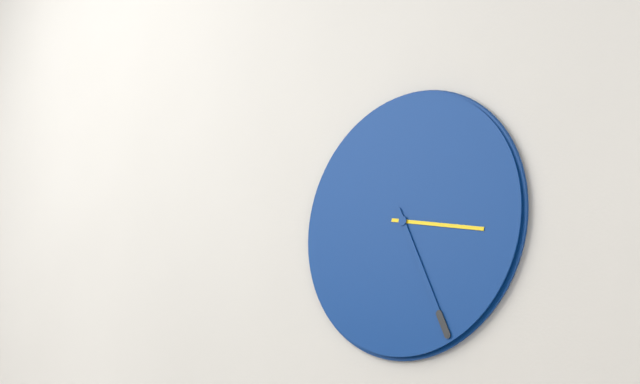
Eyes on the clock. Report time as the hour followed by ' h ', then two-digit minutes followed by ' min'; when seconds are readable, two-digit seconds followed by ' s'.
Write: 3 h 26 min
